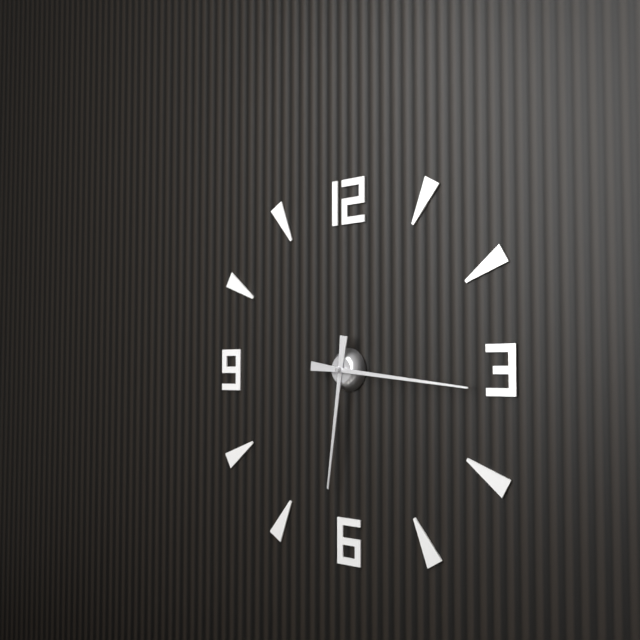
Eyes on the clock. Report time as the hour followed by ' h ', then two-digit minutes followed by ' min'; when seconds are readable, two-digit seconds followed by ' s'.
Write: 6 h 16 min
